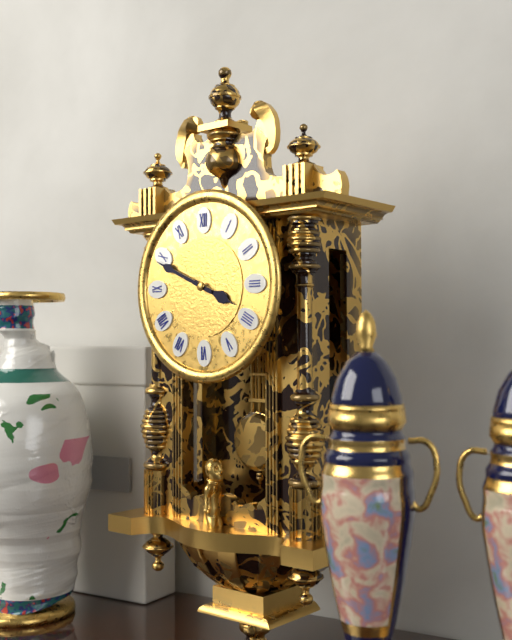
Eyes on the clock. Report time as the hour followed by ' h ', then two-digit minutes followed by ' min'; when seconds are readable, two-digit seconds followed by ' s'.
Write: 3 h 49 min
